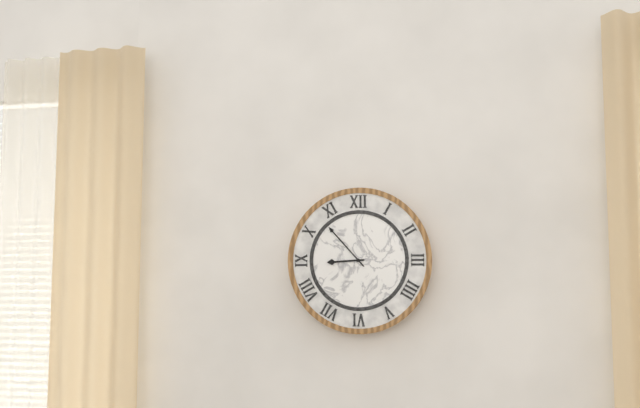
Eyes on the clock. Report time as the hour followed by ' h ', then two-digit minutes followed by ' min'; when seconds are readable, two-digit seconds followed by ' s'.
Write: 8 h 53 min
